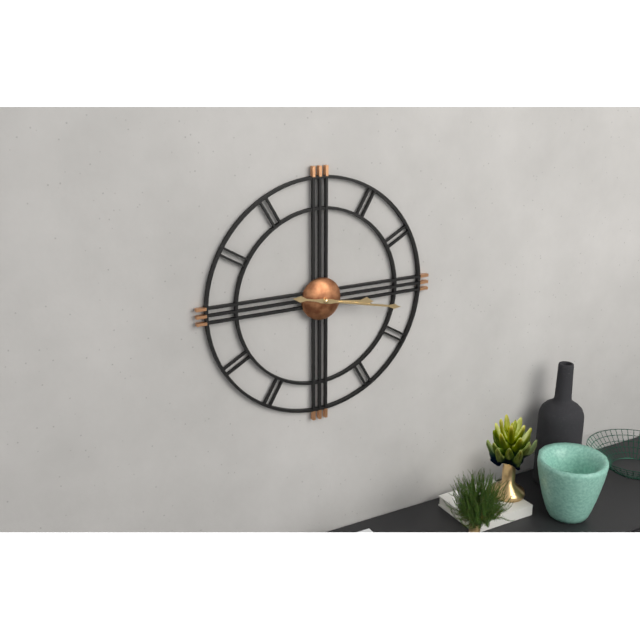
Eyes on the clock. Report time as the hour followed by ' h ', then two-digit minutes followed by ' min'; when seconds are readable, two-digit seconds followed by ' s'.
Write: 3 h 17 min
